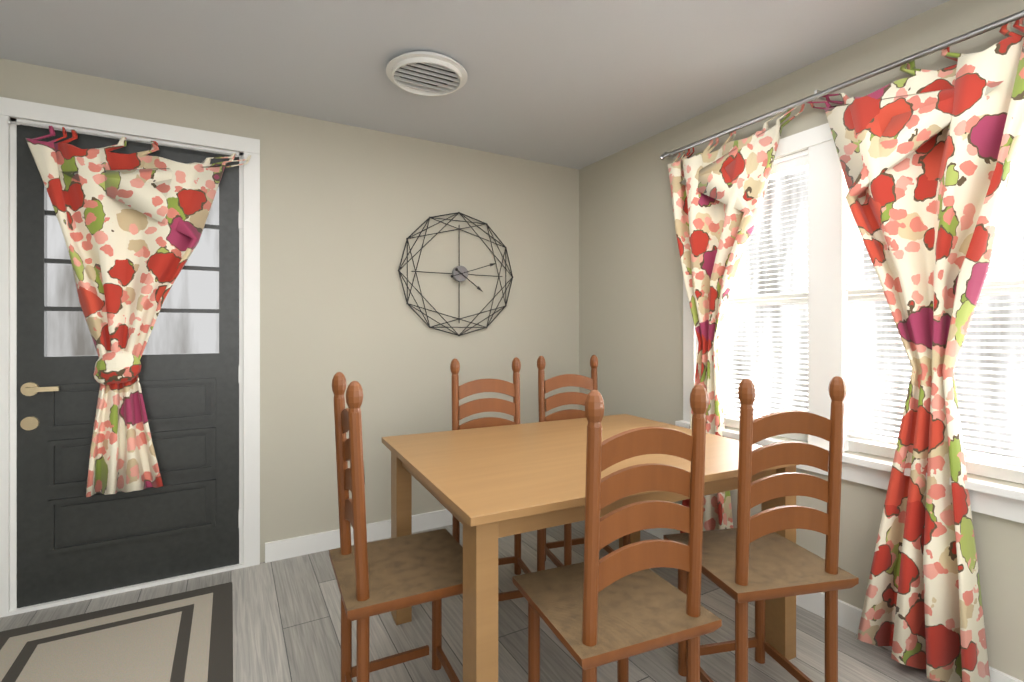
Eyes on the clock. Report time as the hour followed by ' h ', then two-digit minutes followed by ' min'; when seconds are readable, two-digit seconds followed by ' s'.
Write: 4 h 12 min
